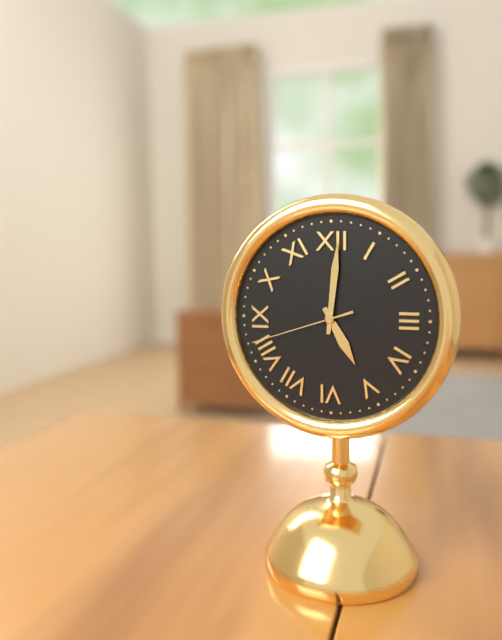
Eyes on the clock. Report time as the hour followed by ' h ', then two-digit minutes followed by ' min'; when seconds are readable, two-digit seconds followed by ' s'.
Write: 5 h 01 min 42 s
